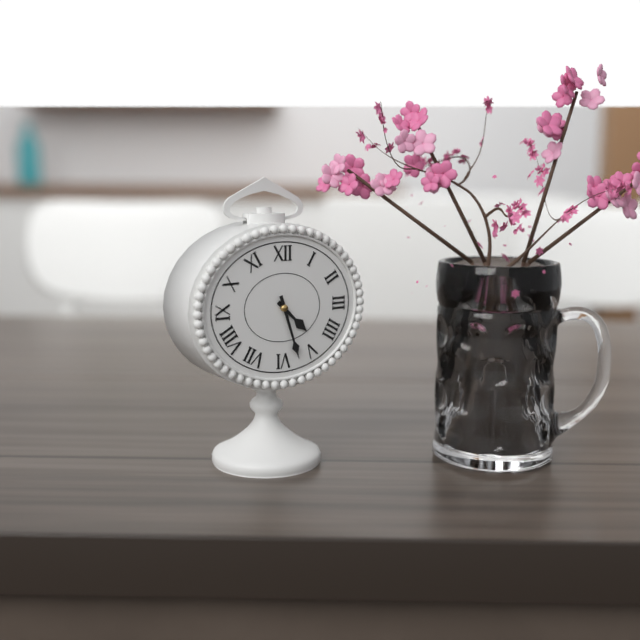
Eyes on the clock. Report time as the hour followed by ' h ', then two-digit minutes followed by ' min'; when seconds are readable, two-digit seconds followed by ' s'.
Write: 4 h 27 min
